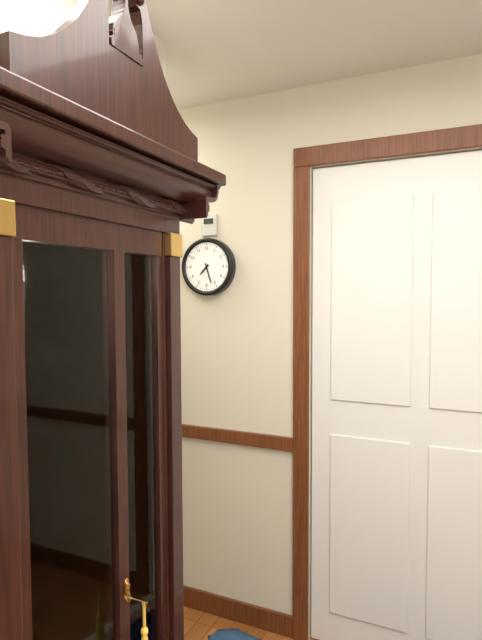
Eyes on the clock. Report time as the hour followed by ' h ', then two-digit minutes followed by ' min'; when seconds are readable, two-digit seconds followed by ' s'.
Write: 7 h 27 min
